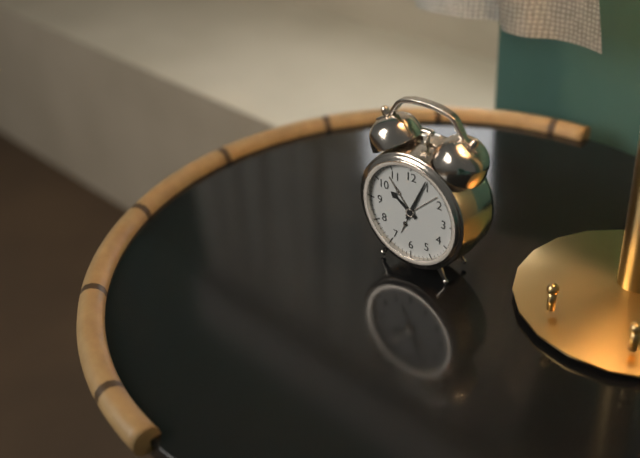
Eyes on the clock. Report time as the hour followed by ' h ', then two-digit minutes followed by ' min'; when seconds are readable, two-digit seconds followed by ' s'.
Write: 10 h 04 min
